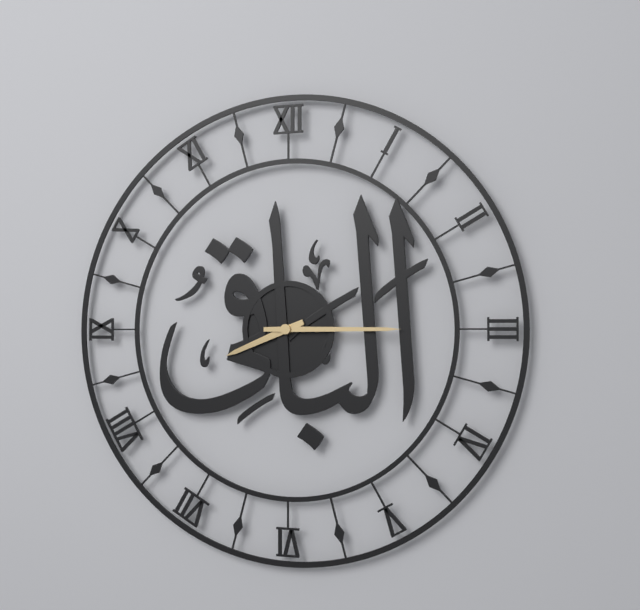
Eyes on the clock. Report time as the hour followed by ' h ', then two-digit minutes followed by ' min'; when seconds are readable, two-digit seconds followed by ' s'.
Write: 8 h 15 min
